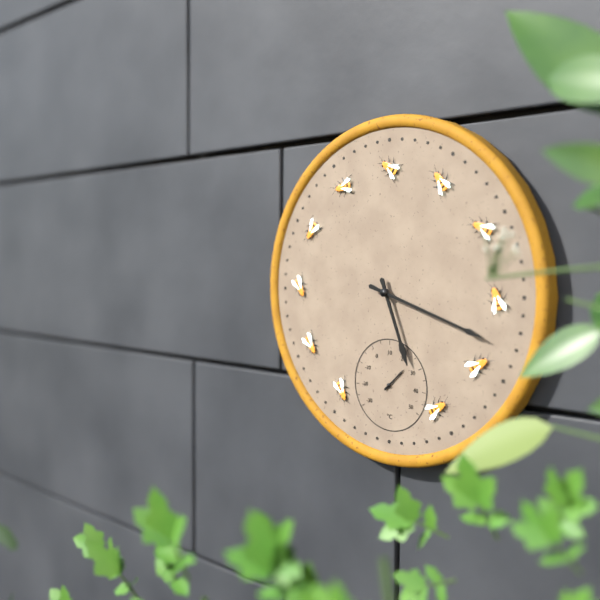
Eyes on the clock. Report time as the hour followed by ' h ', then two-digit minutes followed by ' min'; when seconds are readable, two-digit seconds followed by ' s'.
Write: 5 h 18 min
